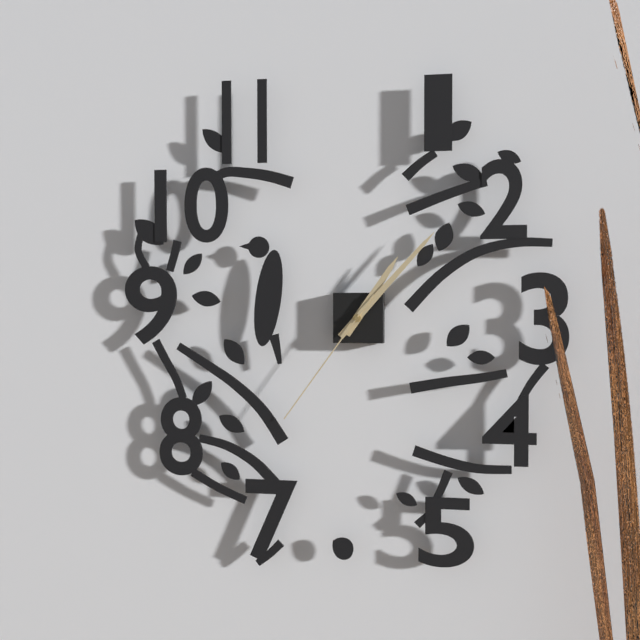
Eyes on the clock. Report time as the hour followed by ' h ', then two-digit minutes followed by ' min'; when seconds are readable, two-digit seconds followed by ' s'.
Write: 1 h 07 min 36 s
